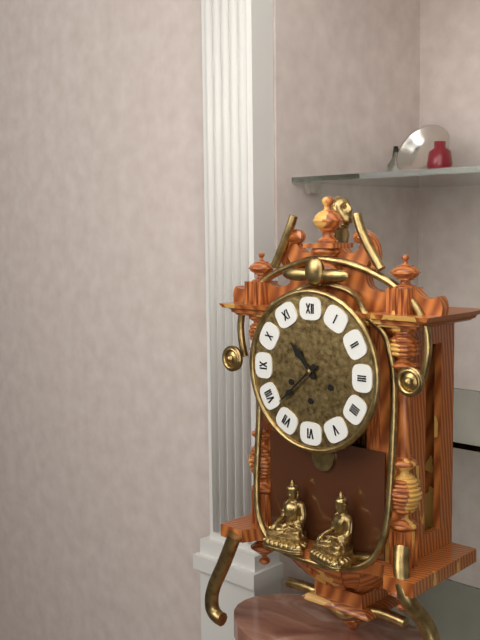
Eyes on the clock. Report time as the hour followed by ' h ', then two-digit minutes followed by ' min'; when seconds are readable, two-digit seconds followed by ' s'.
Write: 10 h 38 min
